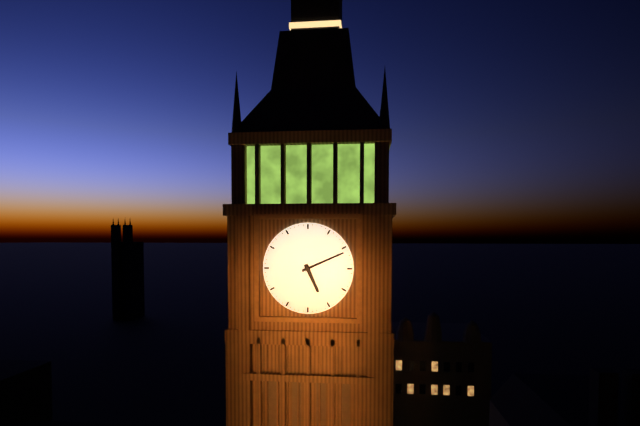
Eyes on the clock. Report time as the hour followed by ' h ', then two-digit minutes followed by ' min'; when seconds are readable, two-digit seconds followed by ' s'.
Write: 5 h 11 min
